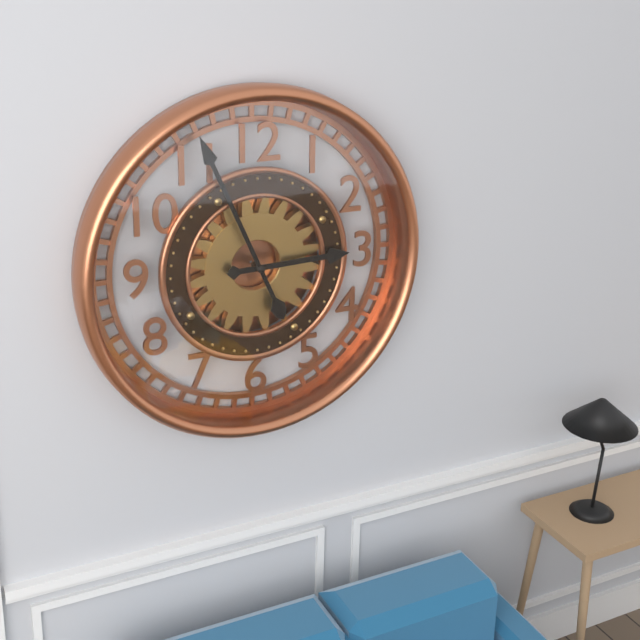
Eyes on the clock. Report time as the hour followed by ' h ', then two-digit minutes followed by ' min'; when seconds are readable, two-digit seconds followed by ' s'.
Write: 2 h 56 min
